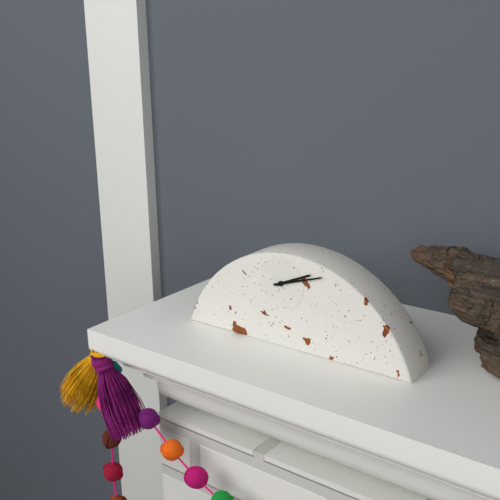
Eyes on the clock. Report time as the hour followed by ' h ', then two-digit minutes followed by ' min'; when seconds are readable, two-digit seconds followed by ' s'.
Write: 2 h 12 min
